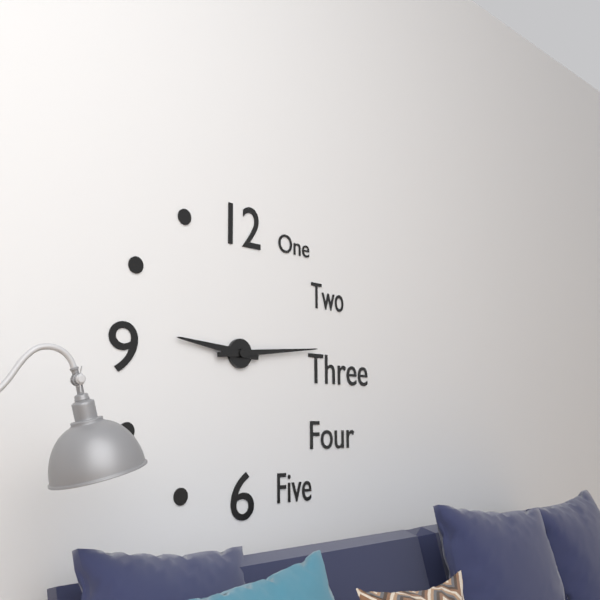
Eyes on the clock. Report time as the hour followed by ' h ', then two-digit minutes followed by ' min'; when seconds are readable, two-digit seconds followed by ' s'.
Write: 9 h 14 min
